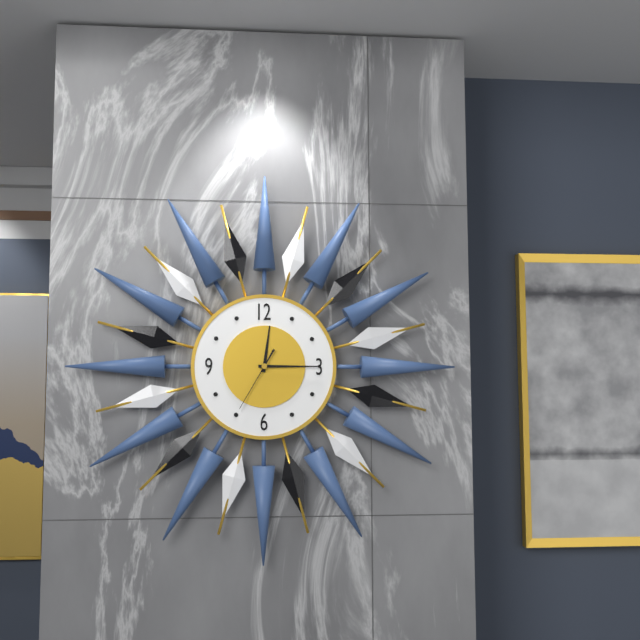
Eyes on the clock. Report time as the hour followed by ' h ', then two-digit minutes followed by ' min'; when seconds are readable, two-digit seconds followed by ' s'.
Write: 12 h 15 min 35 s
